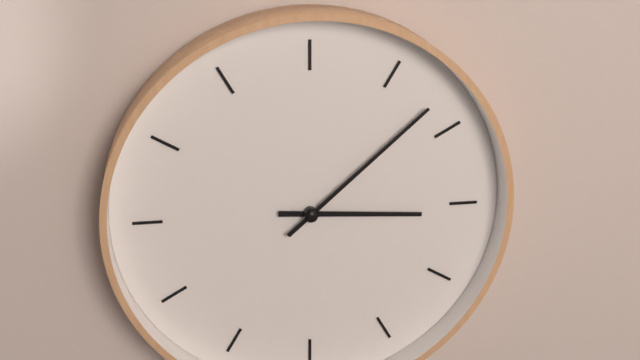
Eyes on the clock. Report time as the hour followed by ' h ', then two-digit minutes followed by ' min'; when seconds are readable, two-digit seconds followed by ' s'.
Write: 3 h 08 min
